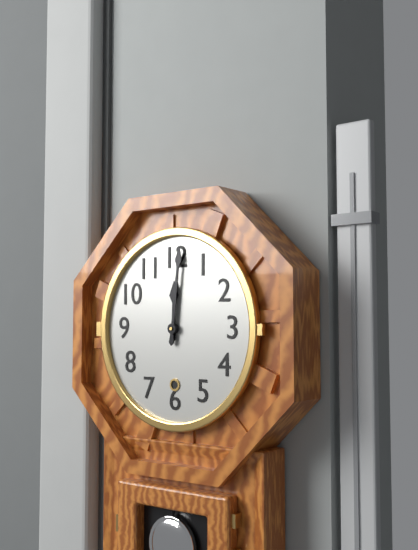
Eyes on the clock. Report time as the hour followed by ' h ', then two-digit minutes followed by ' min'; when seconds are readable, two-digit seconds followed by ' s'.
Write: 12 h 01 min
